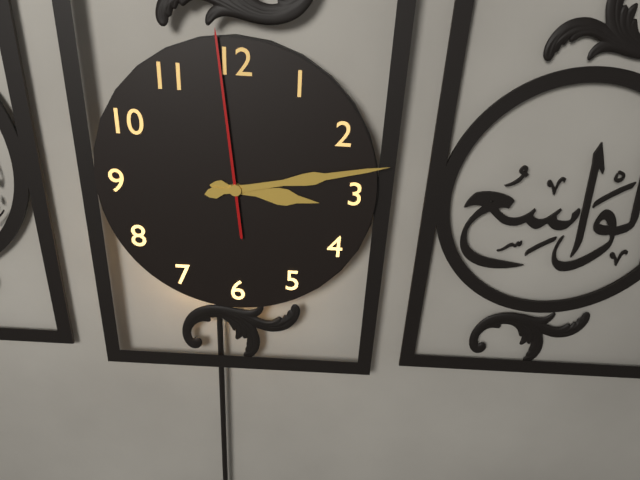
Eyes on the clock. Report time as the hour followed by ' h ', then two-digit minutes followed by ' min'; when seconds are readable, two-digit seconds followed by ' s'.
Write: 3 h 13 min 59 s
